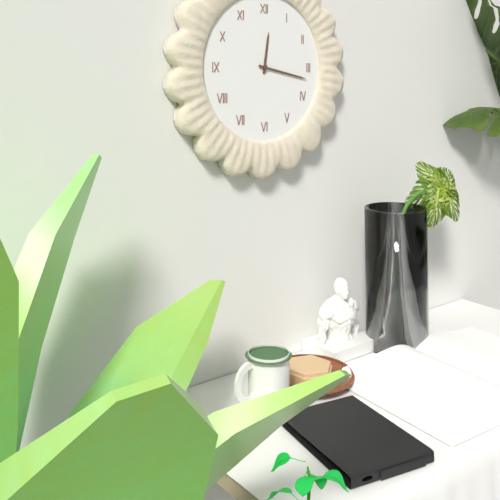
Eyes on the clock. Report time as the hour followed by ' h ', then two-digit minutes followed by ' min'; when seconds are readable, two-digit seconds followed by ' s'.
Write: 12 h 17 min
